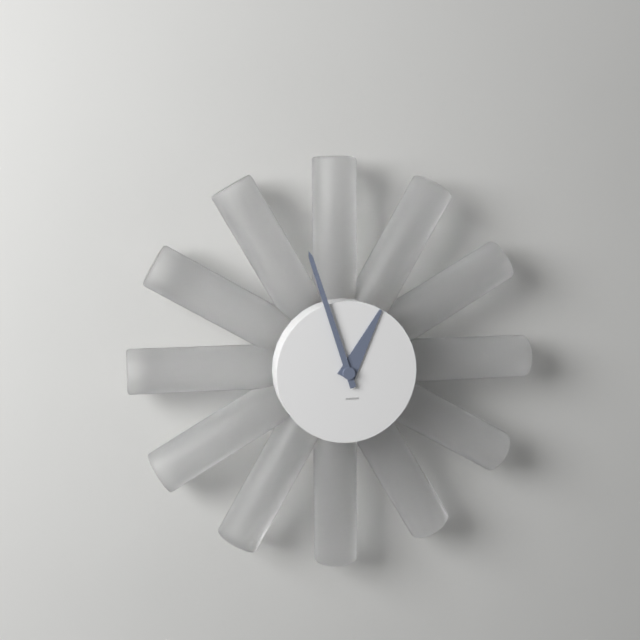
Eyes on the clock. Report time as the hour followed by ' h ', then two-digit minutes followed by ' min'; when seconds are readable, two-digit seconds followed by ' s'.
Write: 12 h 57 min
